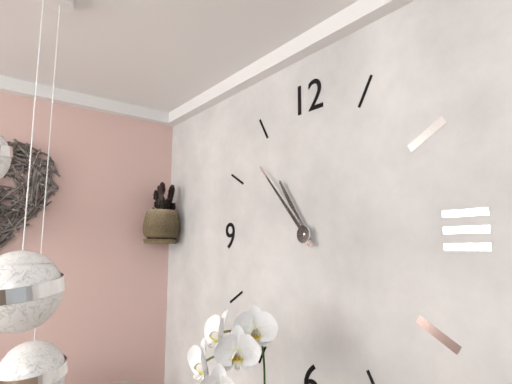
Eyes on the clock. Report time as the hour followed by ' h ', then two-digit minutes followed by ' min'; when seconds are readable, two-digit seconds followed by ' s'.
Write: 10 h 53 min
